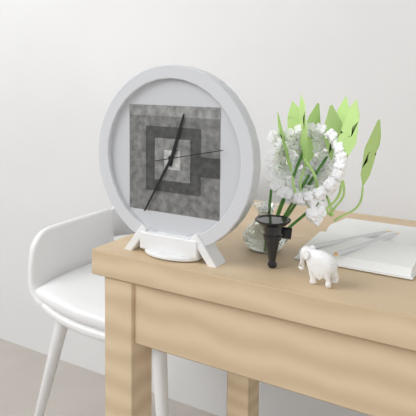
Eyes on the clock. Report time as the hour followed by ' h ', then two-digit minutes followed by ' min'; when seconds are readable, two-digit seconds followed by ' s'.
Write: 12 h 35 min 13 s
